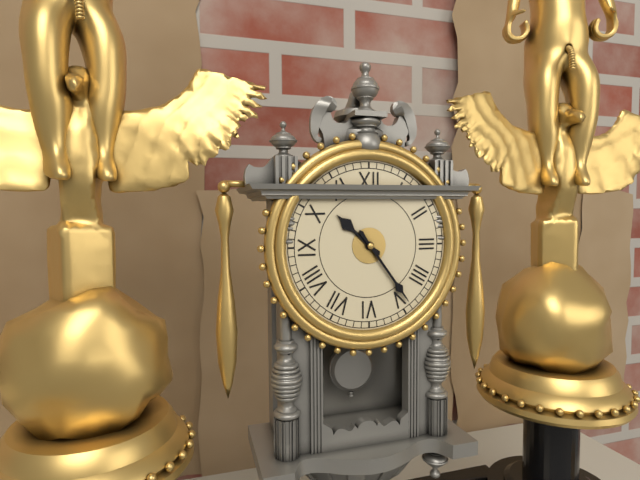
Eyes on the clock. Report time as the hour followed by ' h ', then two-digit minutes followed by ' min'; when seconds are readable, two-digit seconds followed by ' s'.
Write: 10 h 24 min
